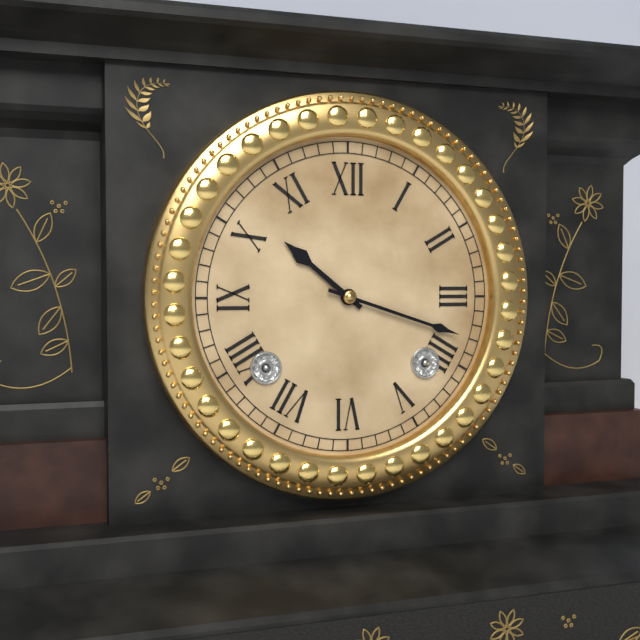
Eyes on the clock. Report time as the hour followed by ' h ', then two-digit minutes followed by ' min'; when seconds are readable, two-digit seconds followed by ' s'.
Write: 10 h 18 min
